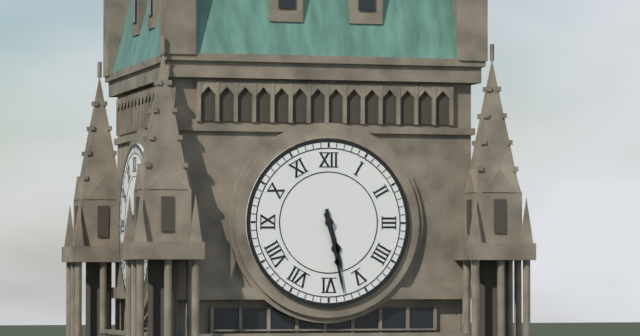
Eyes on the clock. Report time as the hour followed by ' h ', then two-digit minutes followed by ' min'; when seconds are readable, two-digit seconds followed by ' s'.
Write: 5 h 28 min
